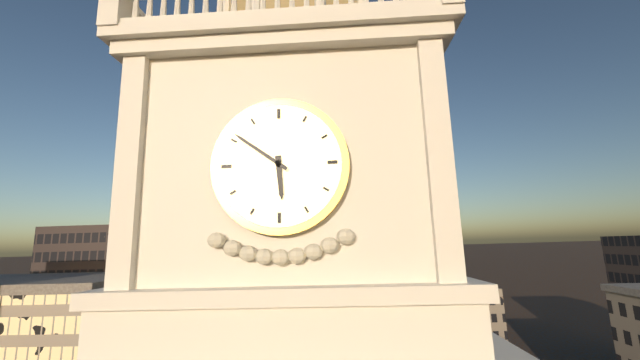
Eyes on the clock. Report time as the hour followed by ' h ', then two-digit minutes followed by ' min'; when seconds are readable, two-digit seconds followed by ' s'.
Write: 5 h 51 min
